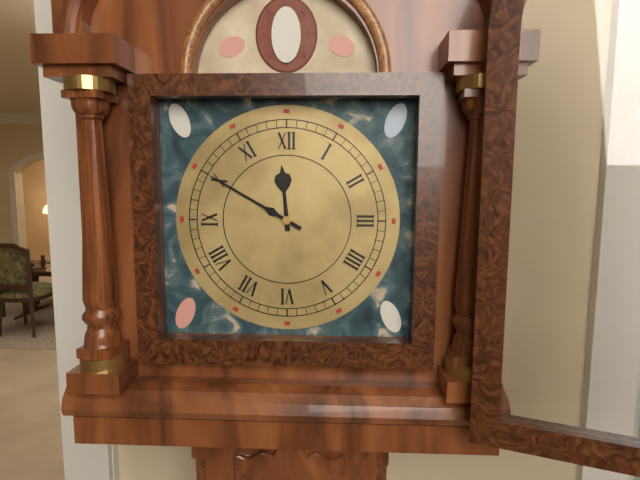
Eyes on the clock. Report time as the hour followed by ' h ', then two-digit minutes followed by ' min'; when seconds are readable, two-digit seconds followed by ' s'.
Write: 11 h 50 min
